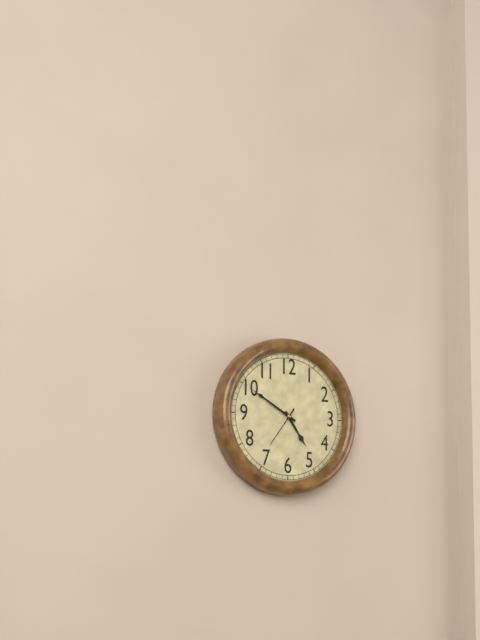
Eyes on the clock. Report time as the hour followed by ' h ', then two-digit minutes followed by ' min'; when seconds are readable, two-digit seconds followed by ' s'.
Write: 4 h 50 min
